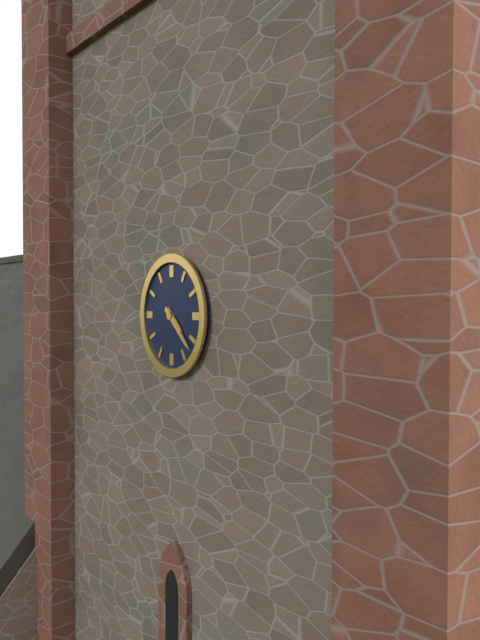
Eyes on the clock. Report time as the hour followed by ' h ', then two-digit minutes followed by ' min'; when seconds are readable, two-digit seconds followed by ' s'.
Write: 4 h 22 min
